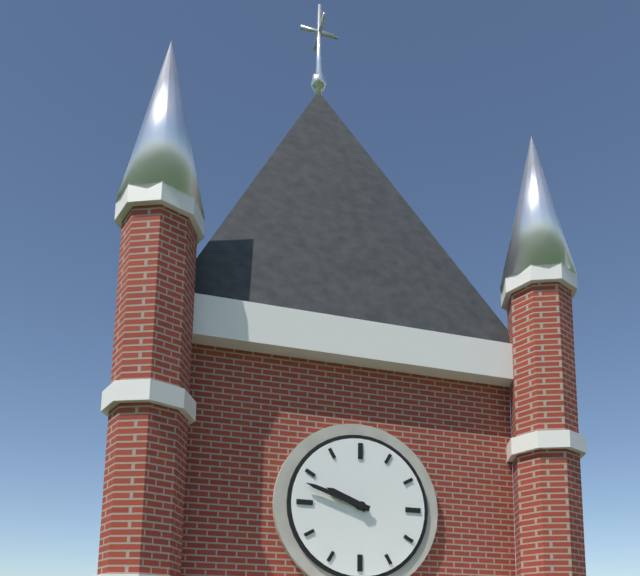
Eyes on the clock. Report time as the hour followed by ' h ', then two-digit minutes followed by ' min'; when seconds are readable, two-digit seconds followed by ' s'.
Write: 9 h 48 min
